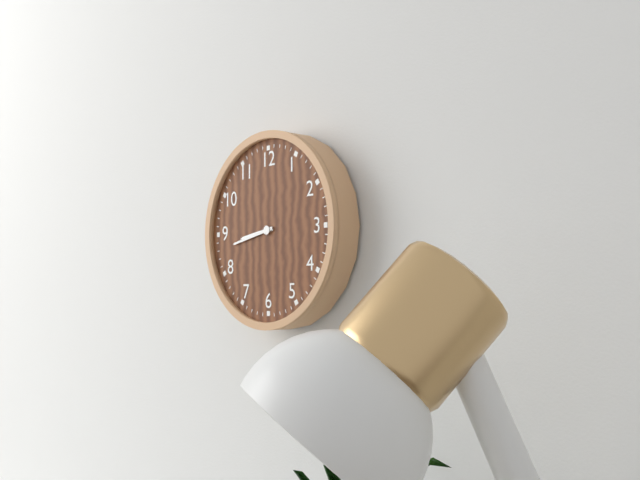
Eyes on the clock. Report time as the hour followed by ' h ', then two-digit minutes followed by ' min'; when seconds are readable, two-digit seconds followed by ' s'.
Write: 8 h 43 min
